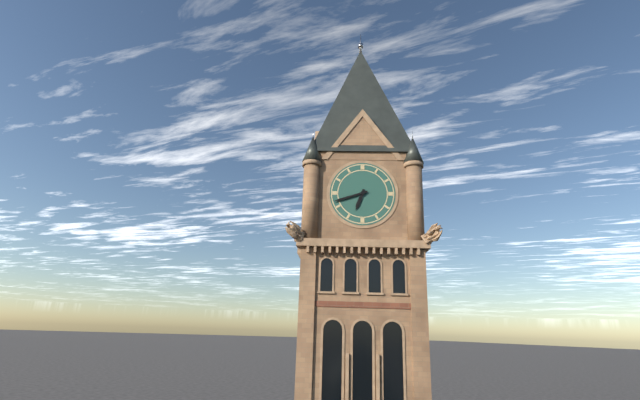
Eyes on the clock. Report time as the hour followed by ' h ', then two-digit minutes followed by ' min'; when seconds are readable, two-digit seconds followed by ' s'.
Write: 6 h 42 min
